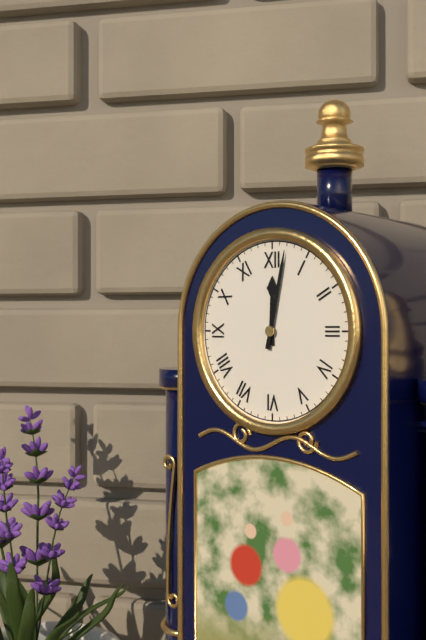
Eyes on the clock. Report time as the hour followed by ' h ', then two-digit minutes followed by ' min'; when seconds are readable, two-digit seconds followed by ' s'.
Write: 12 h 02 min
